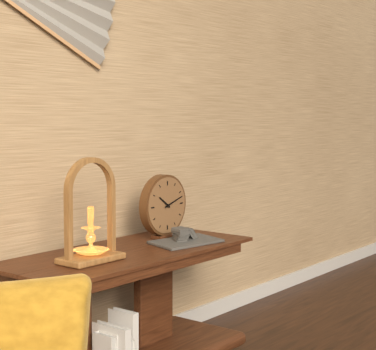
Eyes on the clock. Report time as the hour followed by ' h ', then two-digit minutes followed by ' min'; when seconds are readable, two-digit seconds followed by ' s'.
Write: 10 h 12 min
